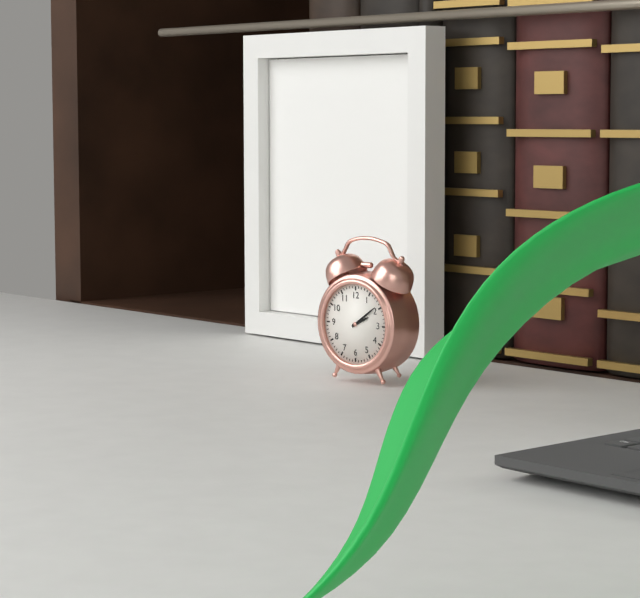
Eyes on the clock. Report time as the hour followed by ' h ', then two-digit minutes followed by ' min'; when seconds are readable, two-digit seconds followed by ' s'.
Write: 2 h 09 min
